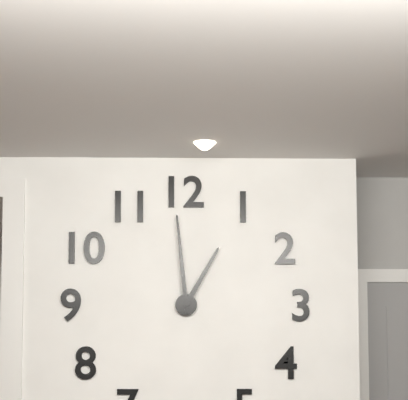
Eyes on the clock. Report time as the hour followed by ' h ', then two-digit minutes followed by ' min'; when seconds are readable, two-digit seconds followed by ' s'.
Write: 12 h 59 min
